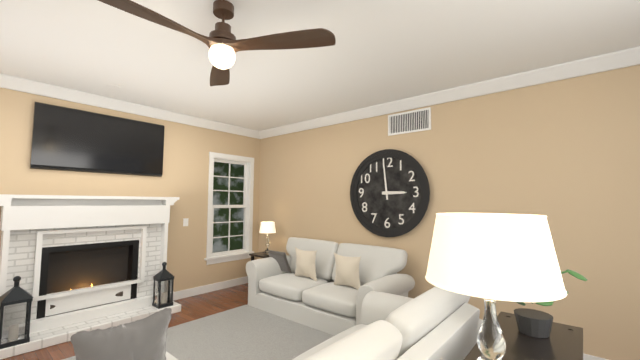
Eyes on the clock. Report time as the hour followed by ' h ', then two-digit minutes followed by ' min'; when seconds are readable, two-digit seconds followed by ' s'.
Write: 2 h 59 min
